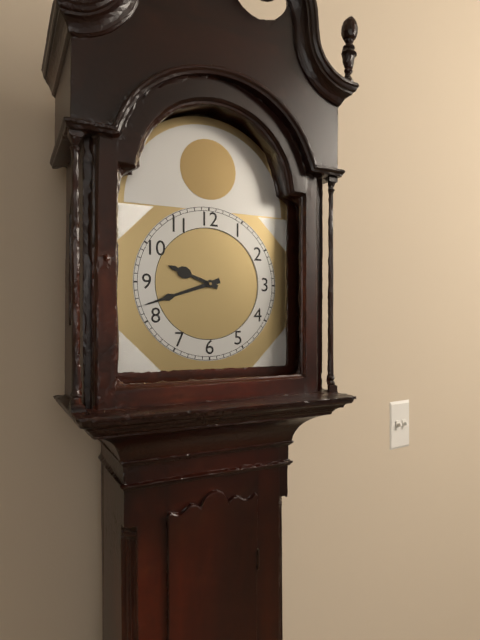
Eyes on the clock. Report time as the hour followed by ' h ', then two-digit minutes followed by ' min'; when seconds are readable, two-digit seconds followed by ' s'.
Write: 9 h 42 min
